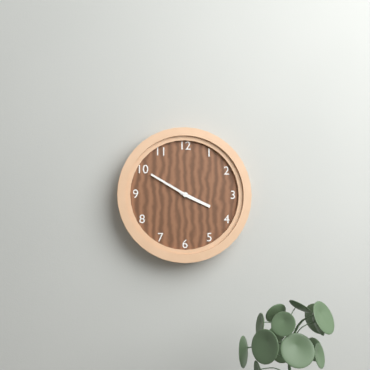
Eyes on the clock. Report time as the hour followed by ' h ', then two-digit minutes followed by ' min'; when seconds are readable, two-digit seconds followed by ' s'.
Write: 3 h 50 min
